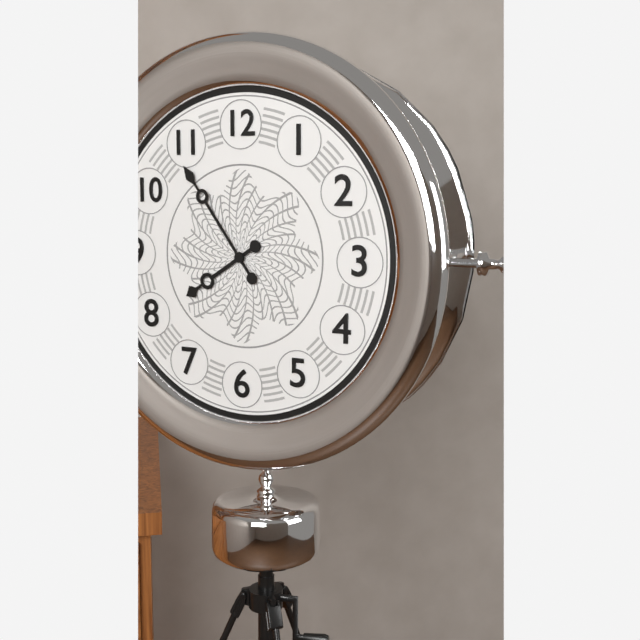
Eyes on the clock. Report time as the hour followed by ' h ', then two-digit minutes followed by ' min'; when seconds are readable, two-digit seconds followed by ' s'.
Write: 7 h 54 min
